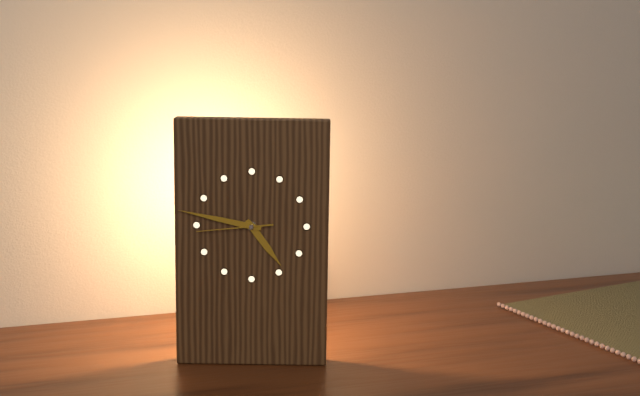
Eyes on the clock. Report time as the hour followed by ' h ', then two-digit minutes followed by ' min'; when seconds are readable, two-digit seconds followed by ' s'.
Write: 4 h 47 min 44 s
